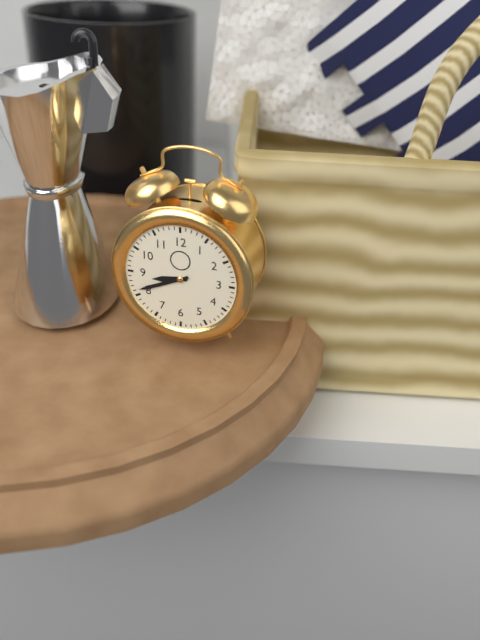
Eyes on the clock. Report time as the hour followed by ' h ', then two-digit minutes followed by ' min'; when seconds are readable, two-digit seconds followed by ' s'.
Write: 8 h 41 min
